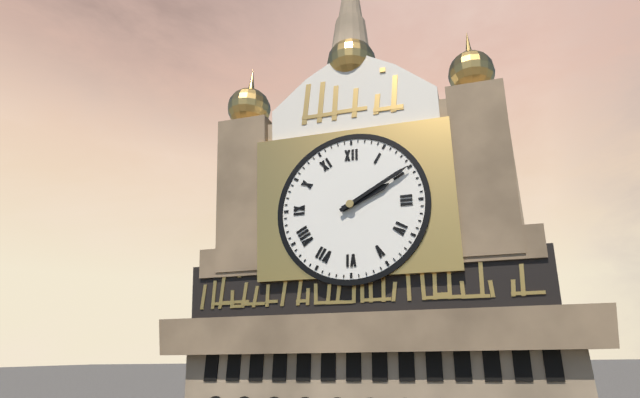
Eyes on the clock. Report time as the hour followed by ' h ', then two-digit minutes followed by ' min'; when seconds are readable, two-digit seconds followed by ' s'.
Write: 2 h 10 min
